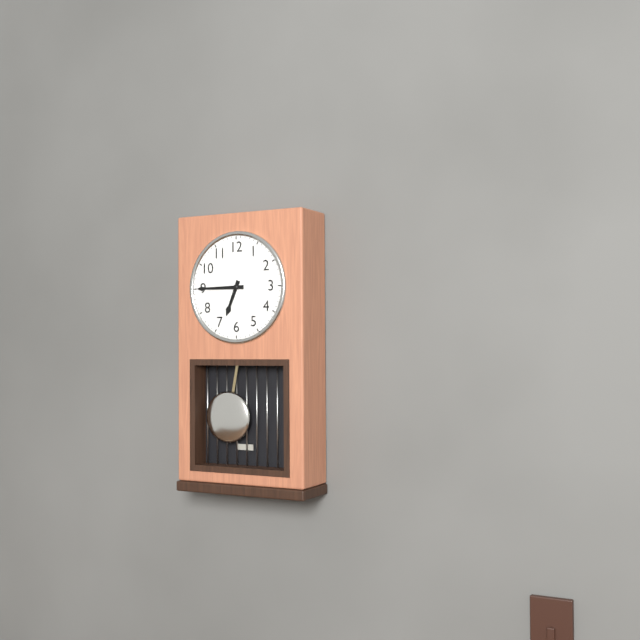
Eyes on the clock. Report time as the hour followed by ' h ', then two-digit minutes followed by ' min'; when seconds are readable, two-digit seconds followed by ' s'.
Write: 6 h 45 min
